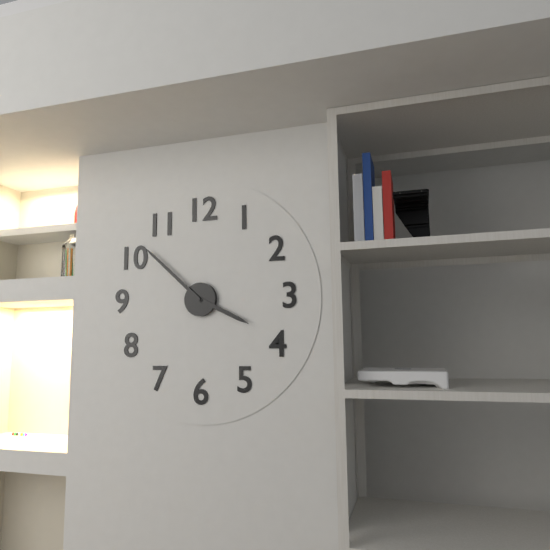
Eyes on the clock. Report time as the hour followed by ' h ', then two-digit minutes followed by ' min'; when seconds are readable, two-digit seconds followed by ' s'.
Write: 3 h 52 min
